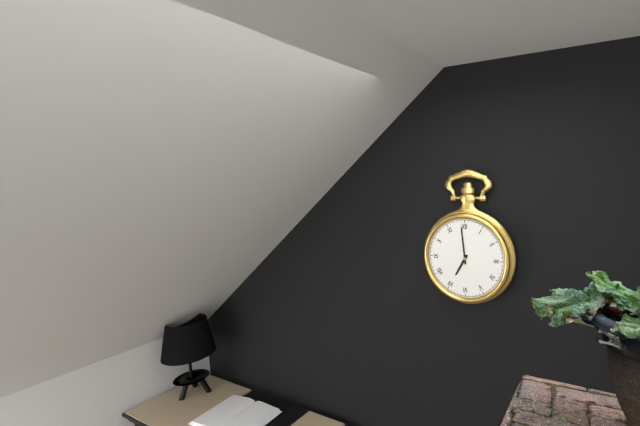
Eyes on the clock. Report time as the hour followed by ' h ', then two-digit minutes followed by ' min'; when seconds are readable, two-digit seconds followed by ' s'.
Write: 6 h 59 min
